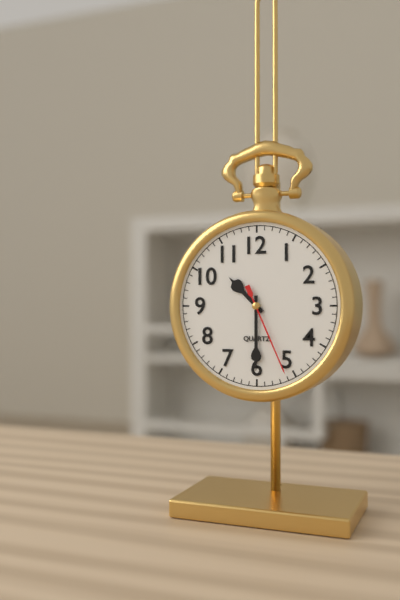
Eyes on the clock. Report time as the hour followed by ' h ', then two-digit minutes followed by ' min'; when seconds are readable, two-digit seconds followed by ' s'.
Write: 10 h 30 min 26 s
